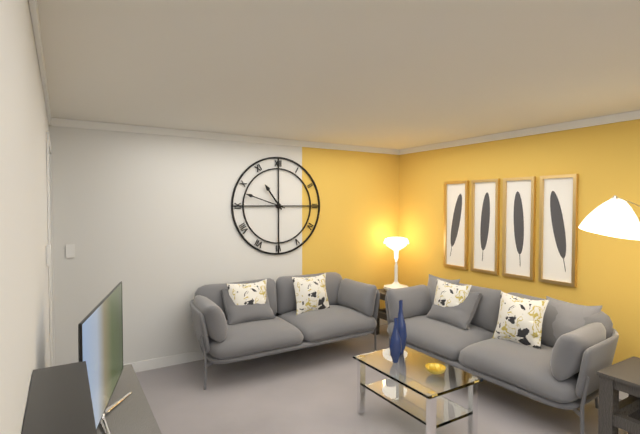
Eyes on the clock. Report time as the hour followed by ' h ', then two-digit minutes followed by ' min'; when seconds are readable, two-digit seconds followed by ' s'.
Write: 10 h 48 min
